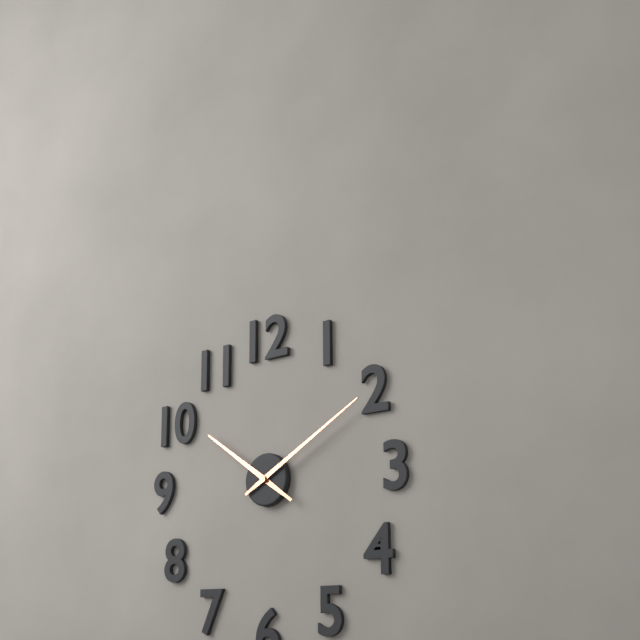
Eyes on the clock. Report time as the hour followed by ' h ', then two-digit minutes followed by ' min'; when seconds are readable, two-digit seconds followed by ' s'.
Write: 10 h 10 min
